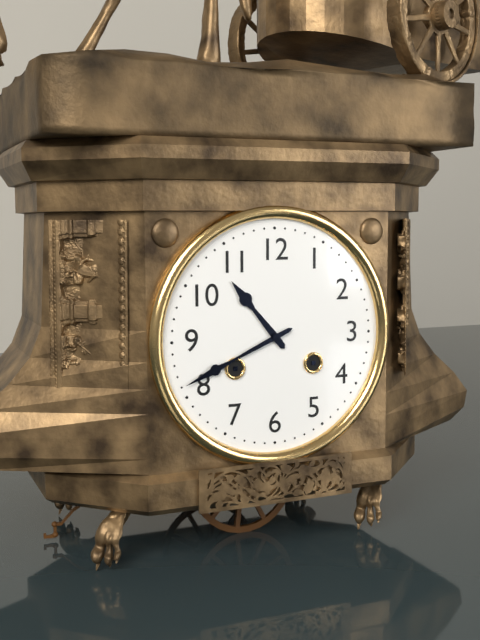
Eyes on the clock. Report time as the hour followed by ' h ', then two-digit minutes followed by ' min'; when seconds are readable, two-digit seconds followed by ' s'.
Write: 10 h 41 min
